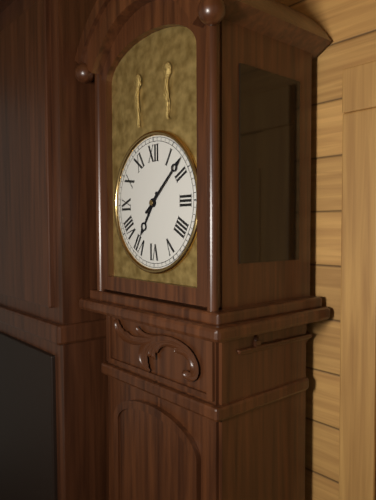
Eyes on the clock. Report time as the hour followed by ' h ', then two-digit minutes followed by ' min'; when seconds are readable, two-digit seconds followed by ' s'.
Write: 7 h 08 min
